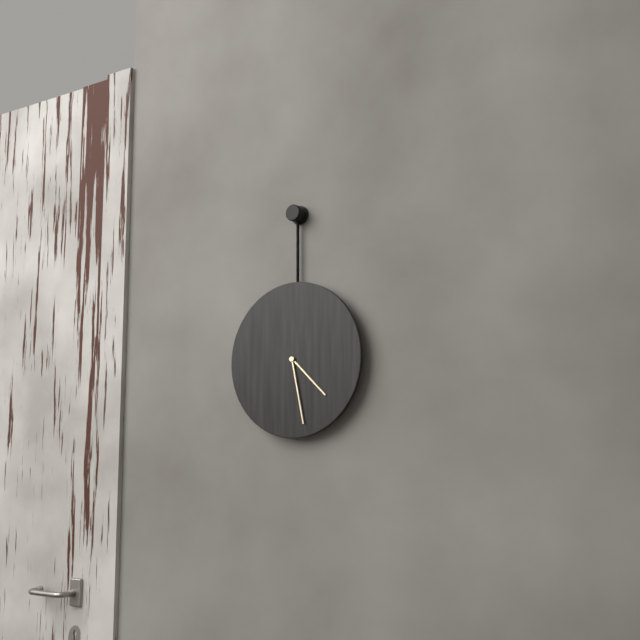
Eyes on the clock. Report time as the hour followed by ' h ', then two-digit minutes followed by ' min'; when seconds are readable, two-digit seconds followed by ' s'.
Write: 4 h 28 min
